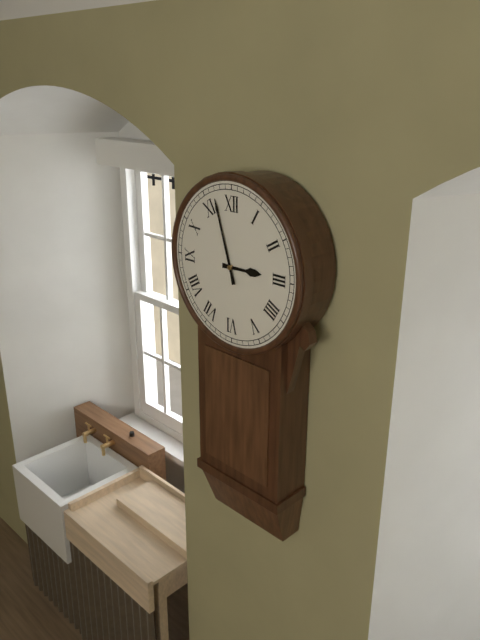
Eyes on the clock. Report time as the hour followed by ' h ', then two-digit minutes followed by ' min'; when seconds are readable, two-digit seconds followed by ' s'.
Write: 2 h 57 min
